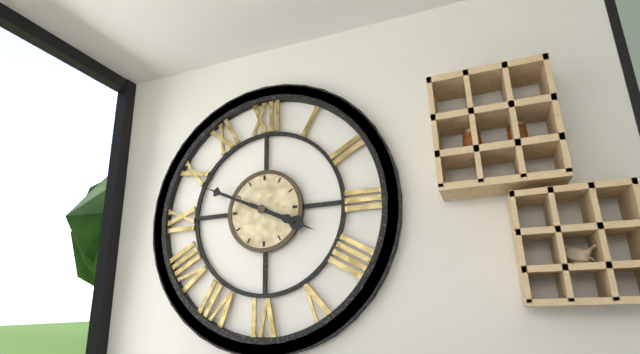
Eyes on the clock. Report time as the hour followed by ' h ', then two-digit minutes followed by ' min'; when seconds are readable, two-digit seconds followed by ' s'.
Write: 3 h 49 min
